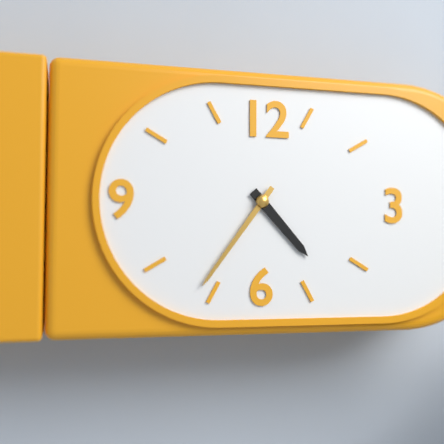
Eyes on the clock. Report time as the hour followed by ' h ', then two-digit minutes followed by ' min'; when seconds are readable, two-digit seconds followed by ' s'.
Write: 4 h 36 min
